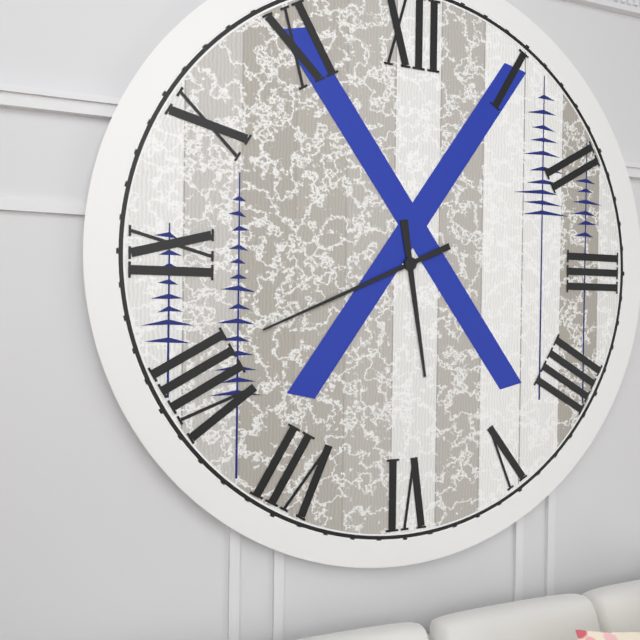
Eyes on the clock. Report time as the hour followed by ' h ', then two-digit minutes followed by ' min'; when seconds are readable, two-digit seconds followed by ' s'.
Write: 5 h 41 min
